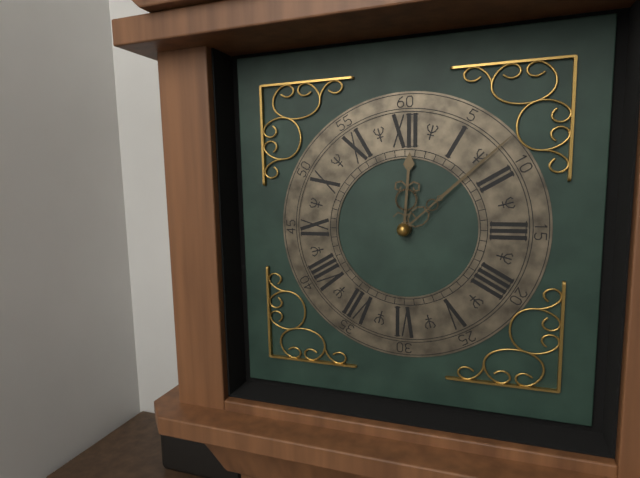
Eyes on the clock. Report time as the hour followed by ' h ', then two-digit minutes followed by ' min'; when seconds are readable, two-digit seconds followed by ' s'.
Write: 12 h 08 min
